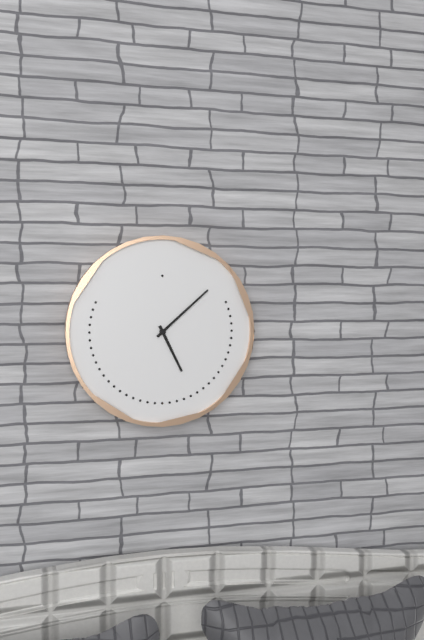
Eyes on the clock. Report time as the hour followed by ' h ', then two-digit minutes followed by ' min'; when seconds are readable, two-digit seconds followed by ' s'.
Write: 5 h 08 min
